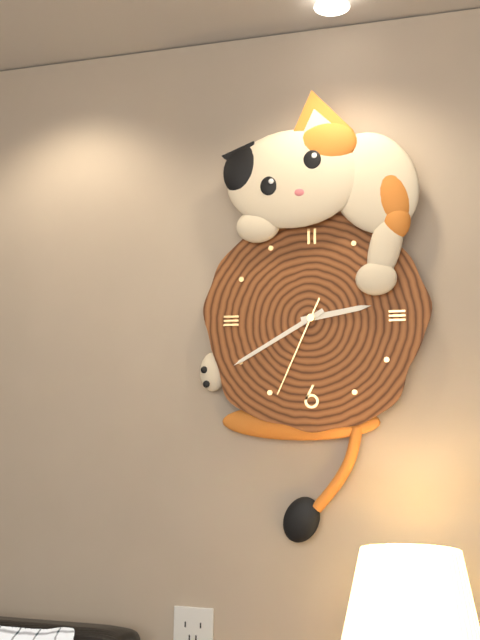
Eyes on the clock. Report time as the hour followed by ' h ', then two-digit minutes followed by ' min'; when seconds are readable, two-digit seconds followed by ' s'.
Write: 2 h 40 min 34 s
